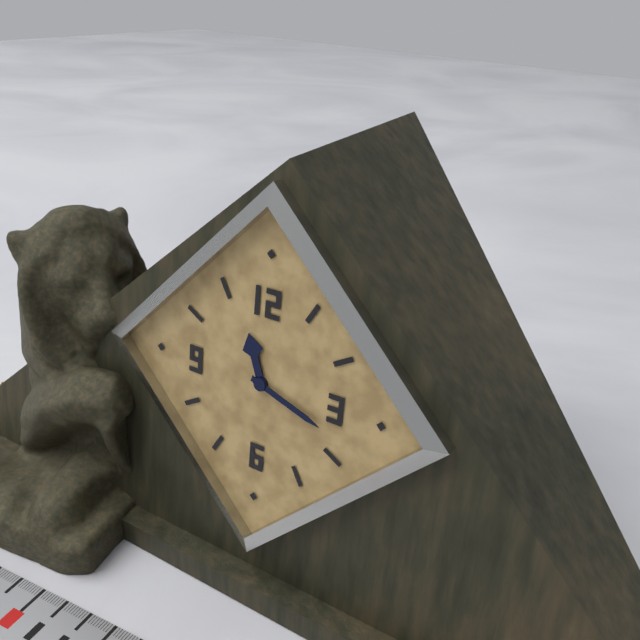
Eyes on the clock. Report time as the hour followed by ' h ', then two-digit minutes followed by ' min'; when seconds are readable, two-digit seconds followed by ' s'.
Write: 11 h 18 min
